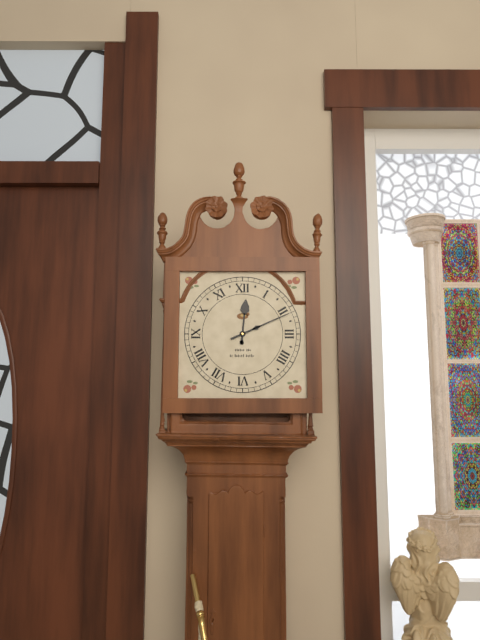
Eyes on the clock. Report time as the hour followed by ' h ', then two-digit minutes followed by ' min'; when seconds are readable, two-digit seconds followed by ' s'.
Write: 12 h 11 min
